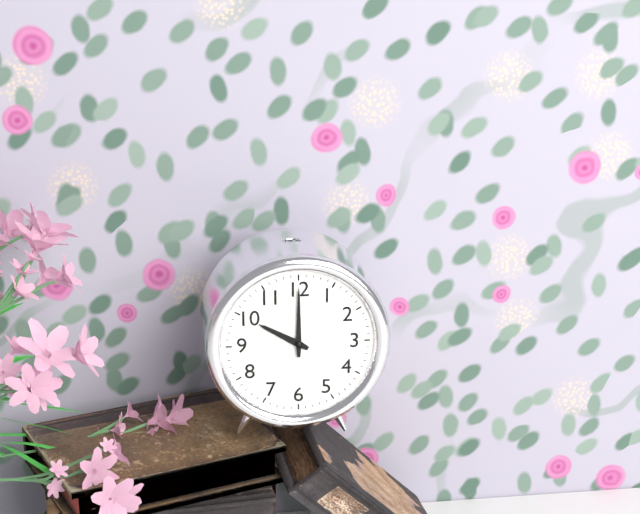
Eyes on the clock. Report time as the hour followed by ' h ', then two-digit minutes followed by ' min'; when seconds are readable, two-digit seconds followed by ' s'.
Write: 10 h 00 min
